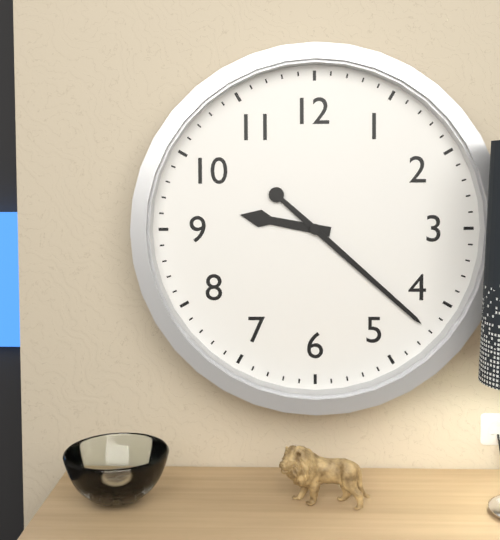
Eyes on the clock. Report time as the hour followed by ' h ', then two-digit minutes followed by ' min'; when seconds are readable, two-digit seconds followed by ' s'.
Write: 9 h 22 min
